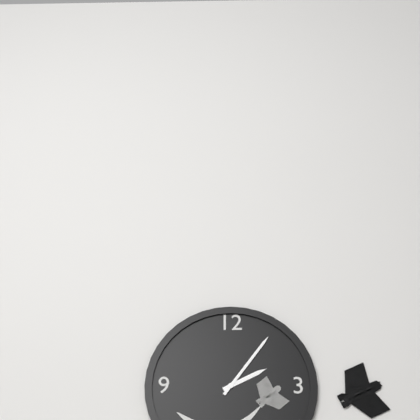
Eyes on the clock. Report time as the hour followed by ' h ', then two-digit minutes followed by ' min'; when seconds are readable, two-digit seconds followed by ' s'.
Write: 2 h 06 min
